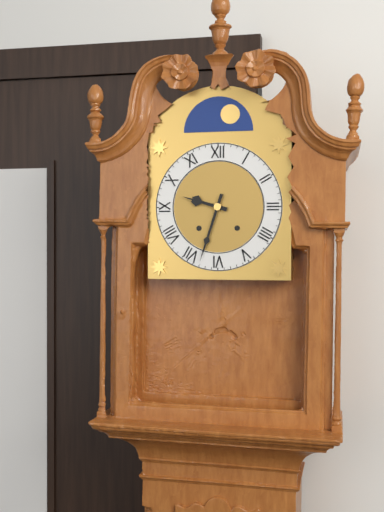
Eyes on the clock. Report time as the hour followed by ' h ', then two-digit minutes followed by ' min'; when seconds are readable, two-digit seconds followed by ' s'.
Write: 9 h 33 min
